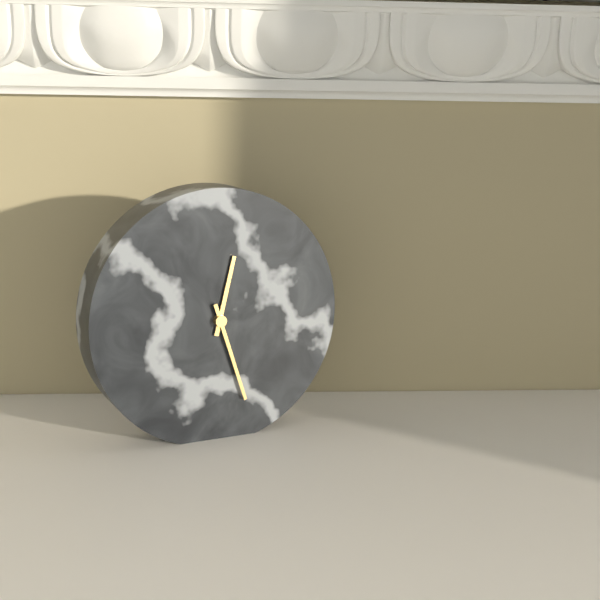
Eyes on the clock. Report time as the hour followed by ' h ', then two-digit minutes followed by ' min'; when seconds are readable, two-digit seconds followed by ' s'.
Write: 12 h 27 min
